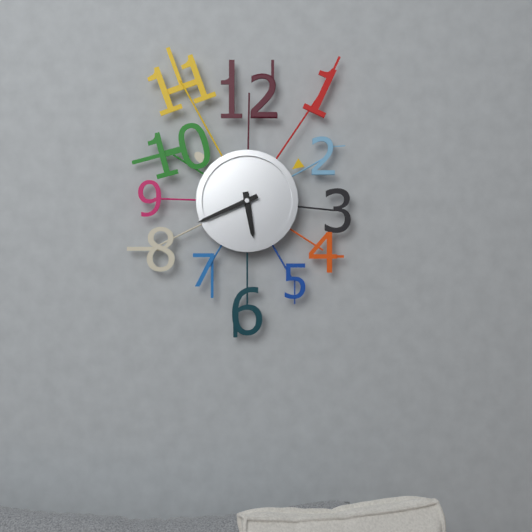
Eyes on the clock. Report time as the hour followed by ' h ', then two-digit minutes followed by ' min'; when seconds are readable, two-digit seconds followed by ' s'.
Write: 5 h 41 min
